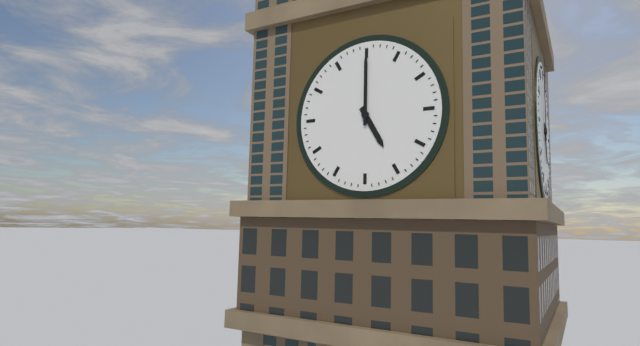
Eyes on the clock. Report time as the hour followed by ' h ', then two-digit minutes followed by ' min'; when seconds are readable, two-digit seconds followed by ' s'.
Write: 5 h 00 min
